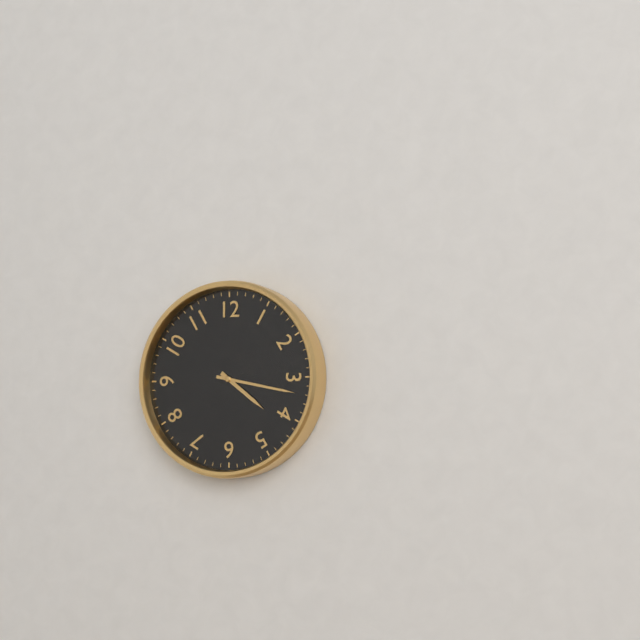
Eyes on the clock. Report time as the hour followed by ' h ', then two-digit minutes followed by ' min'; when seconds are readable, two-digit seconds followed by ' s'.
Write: 4 h 17 min
